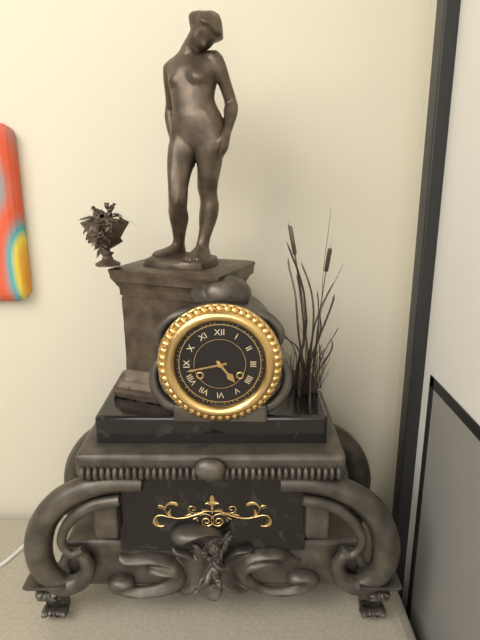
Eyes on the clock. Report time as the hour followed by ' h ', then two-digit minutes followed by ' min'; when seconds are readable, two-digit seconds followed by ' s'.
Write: 4 h 43 min
